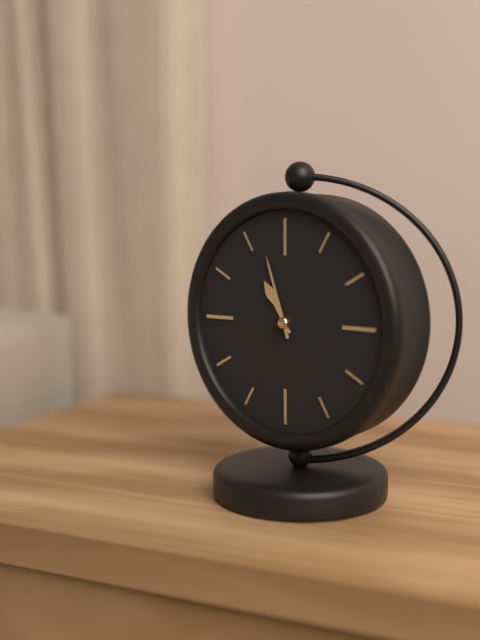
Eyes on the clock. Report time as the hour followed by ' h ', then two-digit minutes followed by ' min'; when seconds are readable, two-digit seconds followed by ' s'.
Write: 10 h 57 min
